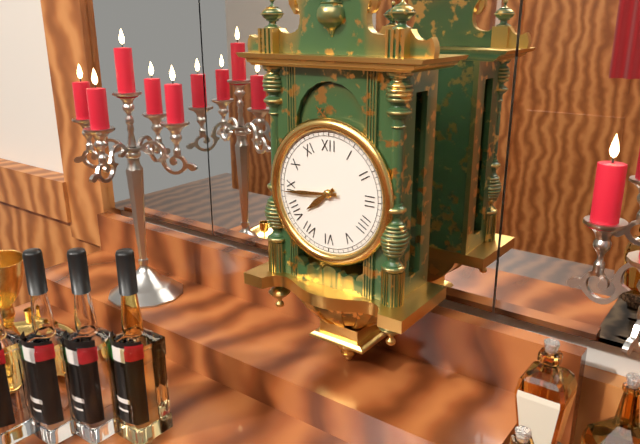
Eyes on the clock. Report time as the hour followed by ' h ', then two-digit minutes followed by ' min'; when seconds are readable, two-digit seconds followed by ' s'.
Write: 7 h 44 min
